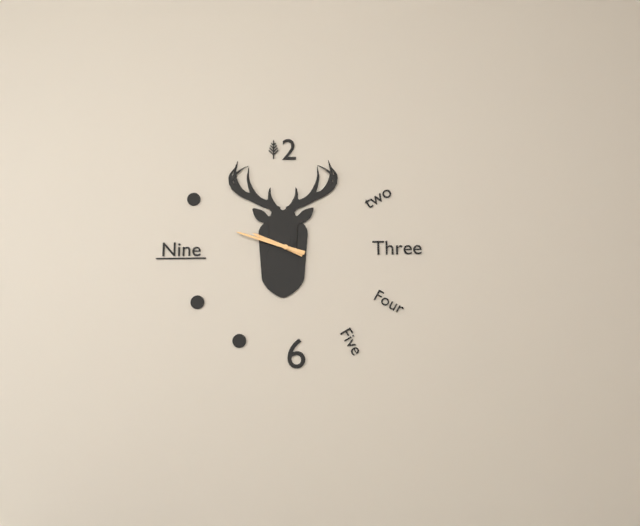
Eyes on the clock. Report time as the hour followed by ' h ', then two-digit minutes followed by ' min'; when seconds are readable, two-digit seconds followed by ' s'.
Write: 9 h 48 min
